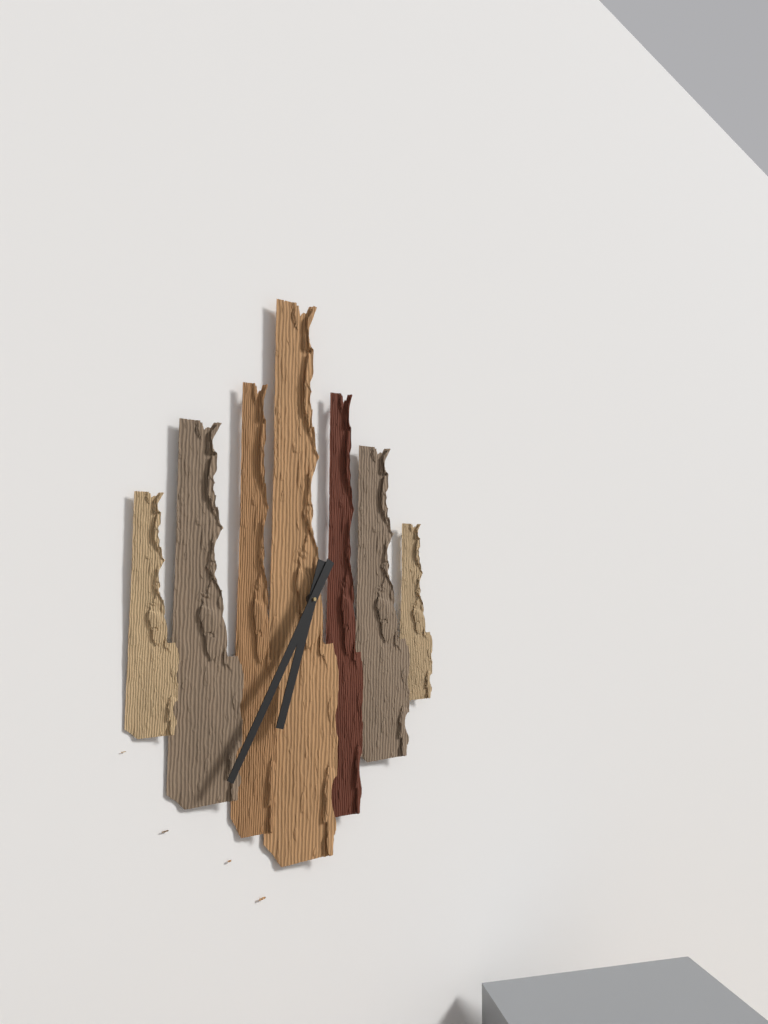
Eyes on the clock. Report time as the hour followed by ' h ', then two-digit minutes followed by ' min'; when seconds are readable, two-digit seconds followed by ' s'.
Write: 6 h 35 min
